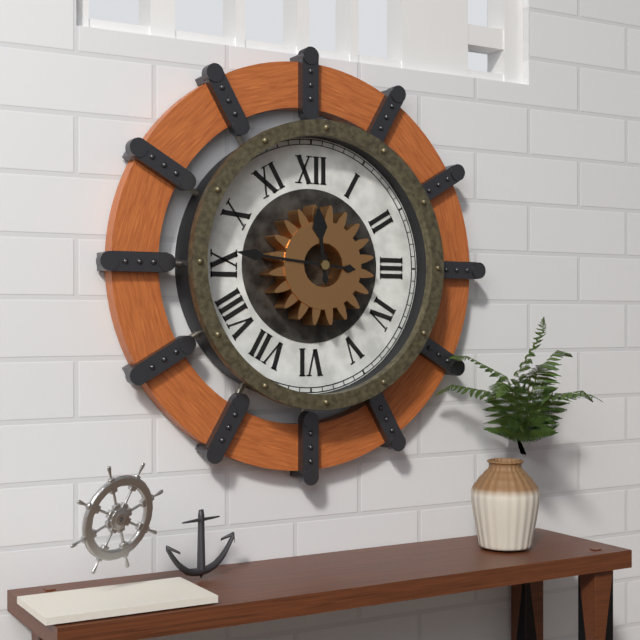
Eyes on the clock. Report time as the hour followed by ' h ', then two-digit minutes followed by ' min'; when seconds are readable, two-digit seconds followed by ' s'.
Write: 11 h 46 min
